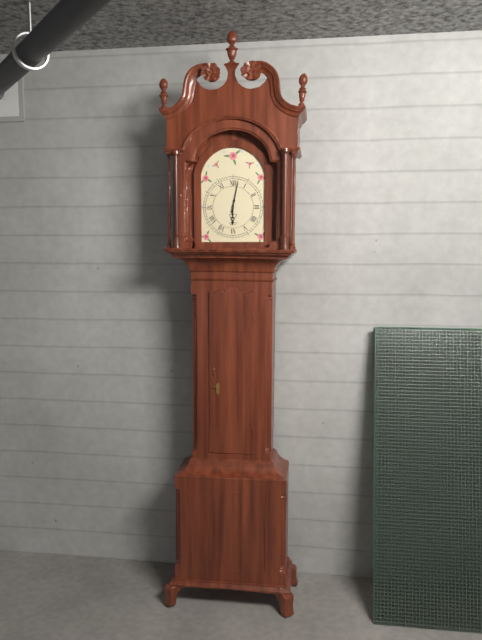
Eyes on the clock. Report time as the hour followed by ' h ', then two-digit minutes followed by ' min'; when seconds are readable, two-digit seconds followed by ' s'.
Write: 6 h 02 min
